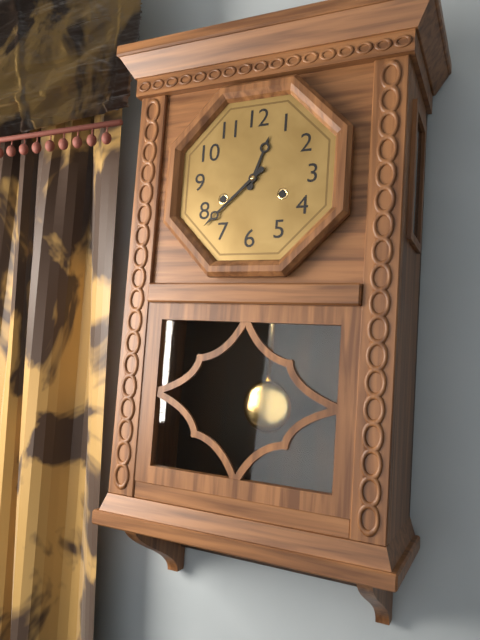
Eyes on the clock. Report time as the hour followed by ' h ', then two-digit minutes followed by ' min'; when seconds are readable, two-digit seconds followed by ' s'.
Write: 12 h 38 min
